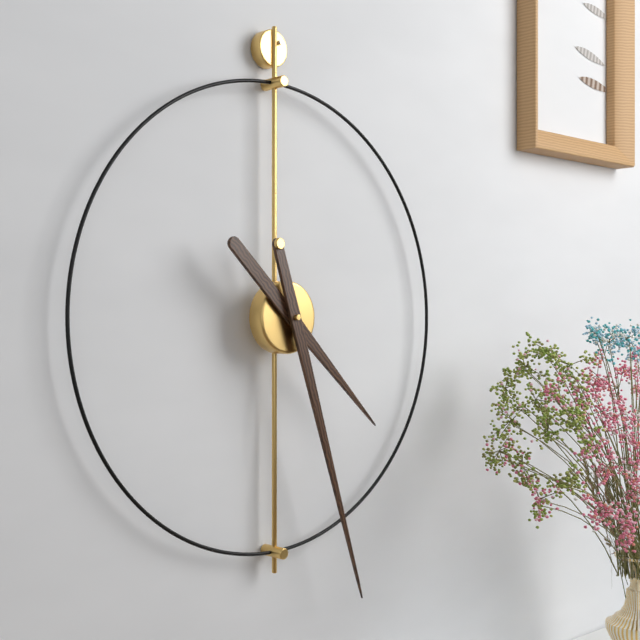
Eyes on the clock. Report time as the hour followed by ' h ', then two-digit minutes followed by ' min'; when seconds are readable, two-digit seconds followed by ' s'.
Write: 4 h 27 min
